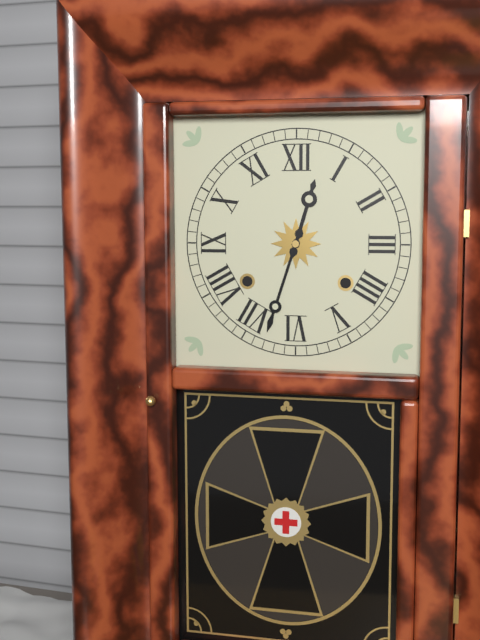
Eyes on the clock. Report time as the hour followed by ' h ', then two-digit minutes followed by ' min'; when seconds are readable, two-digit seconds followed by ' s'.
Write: 12 h 33 min
